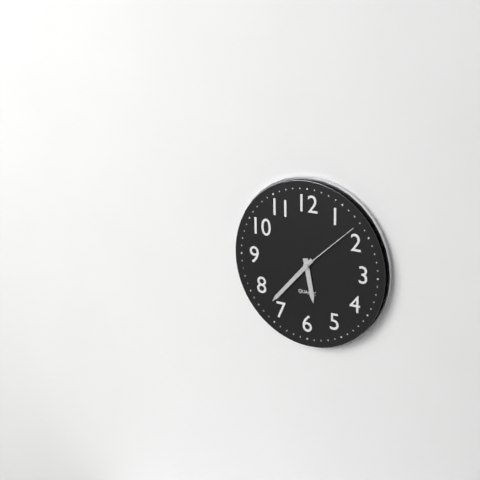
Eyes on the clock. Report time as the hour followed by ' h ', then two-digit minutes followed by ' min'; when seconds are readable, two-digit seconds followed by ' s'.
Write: 5 h 37 min 08 s
